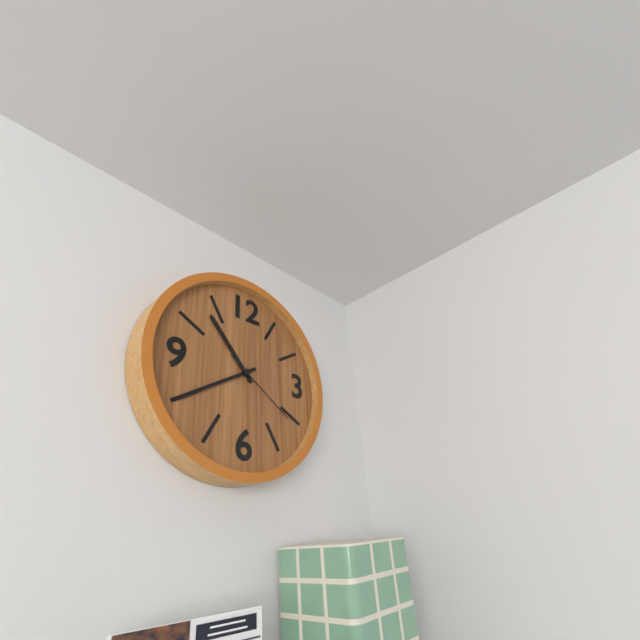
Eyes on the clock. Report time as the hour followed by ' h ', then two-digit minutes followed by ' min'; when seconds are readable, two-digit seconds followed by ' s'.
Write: 10 h 40 min 21 s
